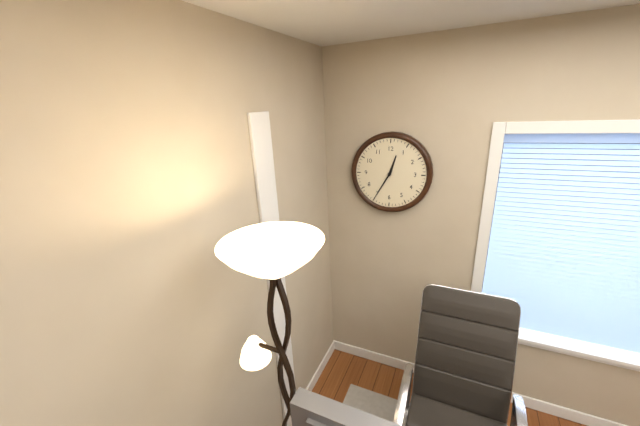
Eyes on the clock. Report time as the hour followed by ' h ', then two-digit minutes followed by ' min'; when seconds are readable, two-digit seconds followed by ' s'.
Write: 12 h 35 min
